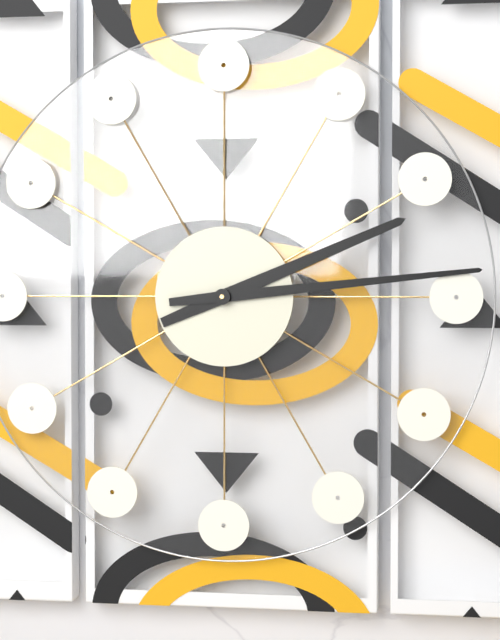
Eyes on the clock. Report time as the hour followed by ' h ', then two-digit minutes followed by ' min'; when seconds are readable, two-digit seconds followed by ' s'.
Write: 2 h 14 min
